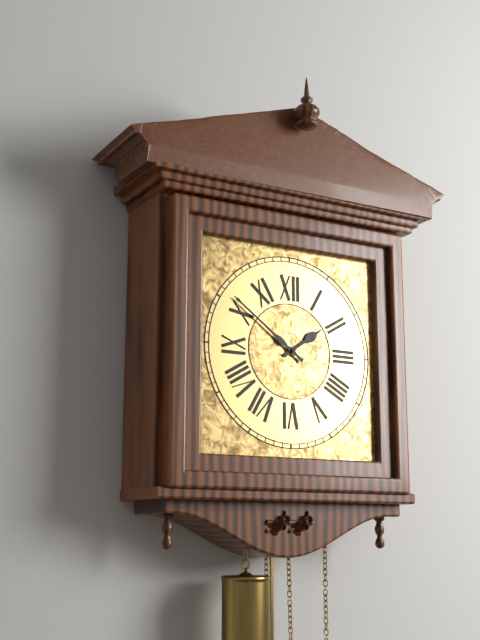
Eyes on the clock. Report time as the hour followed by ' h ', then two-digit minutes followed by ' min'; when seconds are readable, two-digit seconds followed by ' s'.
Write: 1 h 51 min
